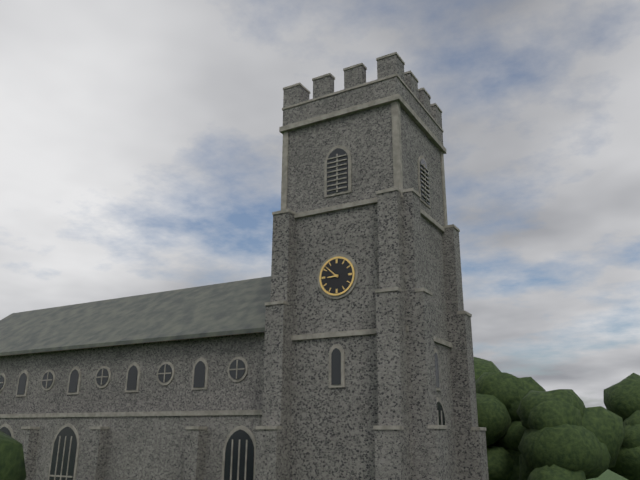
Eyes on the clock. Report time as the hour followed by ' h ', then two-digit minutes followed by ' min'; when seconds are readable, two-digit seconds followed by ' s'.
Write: 8 h 52 min
